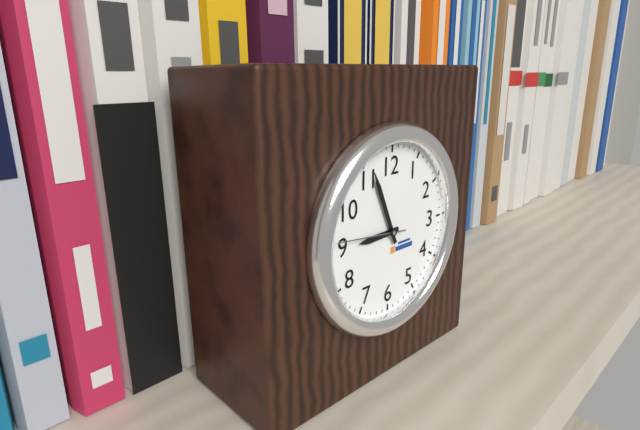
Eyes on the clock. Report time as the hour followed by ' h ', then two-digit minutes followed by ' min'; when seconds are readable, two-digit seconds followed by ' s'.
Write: 8 h 56 min
